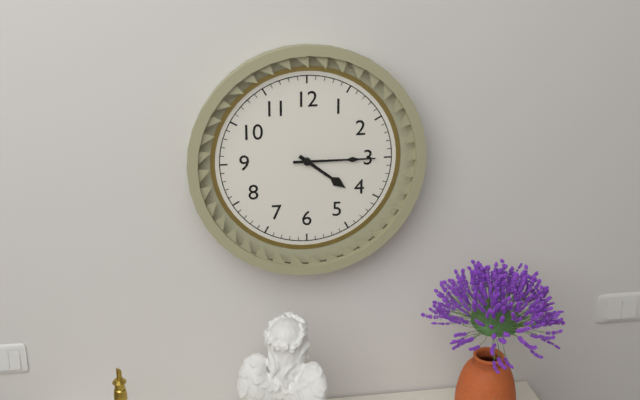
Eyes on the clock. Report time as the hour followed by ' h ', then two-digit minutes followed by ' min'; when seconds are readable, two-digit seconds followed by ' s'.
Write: 4 h 15 min
